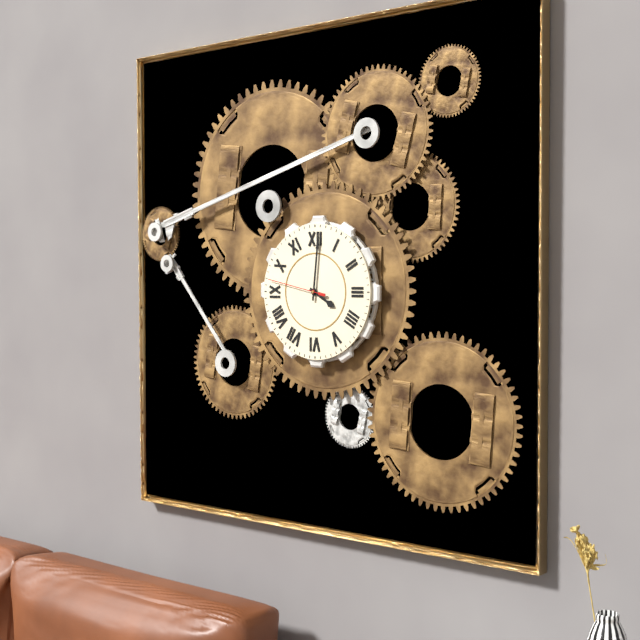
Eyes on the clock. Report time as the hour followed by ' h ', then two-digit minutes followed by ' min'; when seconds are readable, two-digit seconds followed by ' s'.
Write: 4 h 01 min 47 s
